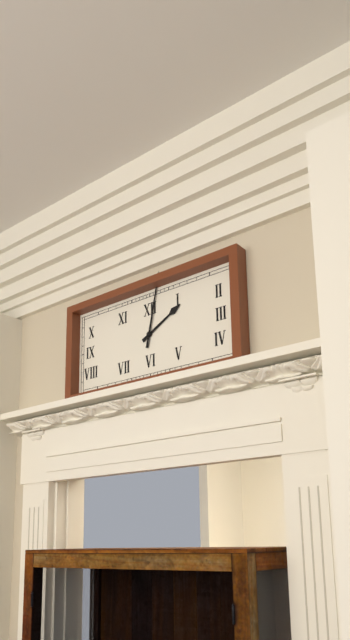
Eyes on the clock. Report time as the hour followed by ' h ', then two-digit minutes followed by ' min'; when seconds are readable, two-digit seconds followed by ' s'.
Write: 2 h 02 min
